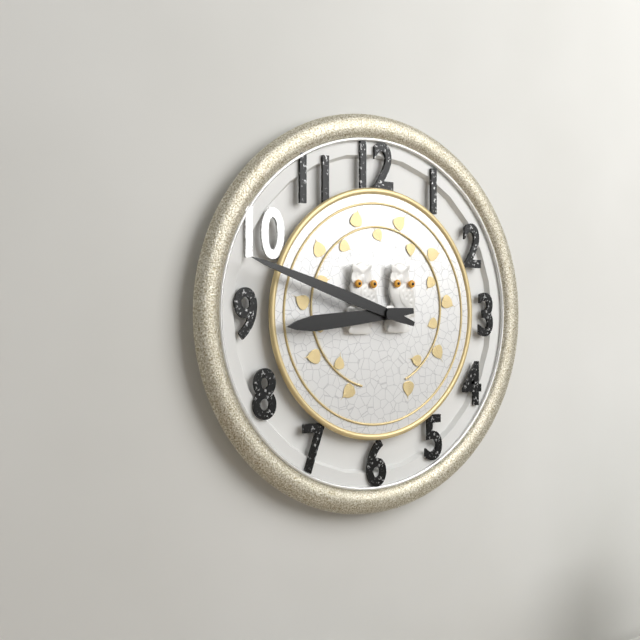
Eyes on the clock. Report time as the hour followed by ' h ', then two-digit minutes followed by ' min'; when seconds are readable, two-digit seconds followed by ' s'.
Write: 8 h 48 min
